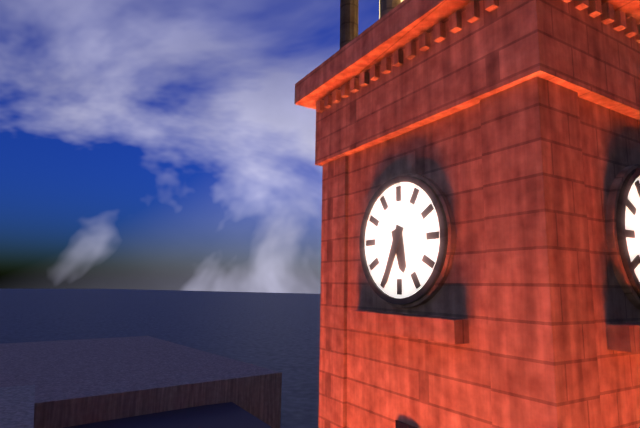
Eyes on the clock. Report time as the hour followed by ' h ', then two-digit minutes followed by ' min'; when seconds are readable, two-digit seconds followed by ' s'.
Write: 5 h 34 min
